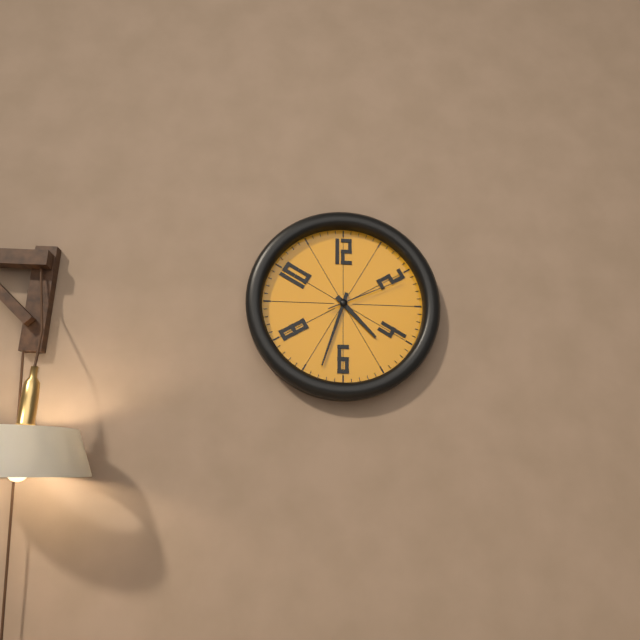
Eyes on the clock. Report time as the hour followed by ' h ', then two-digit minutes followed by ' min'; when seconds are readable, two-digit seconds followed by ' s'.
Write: 4 h 33 min 11 s
